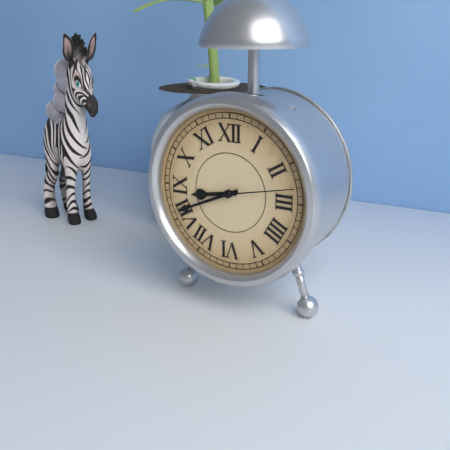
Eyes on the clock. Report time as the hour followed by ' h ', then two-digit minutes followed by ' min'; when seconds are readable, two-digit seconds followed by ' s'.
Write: 8 h 41 min 13 s
